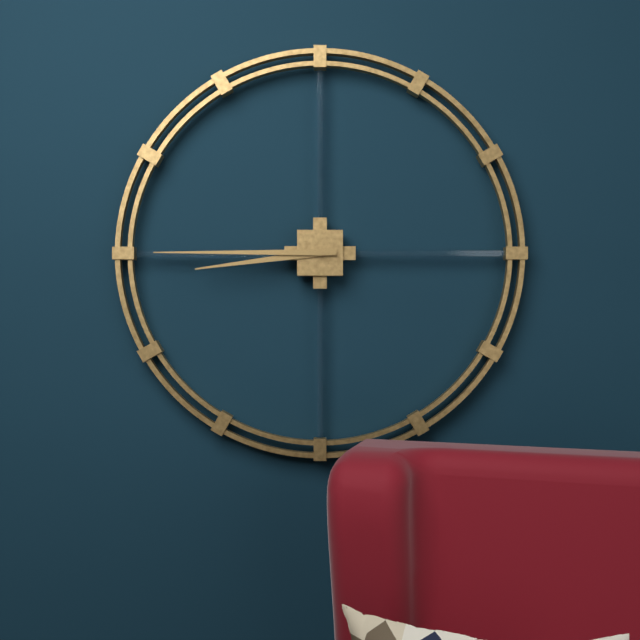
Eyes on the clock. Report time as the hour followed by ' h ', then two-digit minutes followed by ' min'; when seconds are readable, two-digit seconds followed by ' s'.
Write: 8 h 45 min
